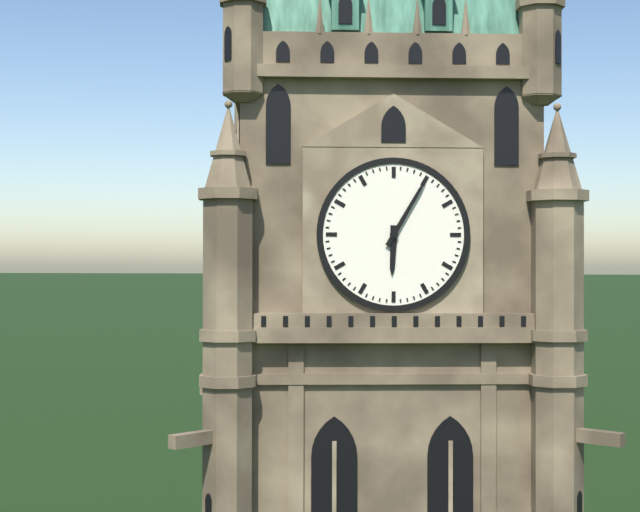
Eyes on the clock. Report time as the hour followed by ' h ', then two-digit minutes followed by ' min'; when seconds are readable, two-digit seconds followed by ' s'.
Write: 6 h 05 min
